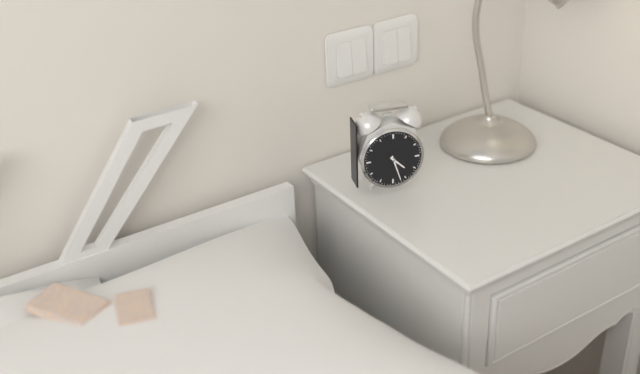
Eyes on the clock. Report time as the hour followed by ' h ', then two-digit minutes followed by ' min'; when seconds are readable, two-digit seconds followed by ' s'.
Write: 4 h 27 min
